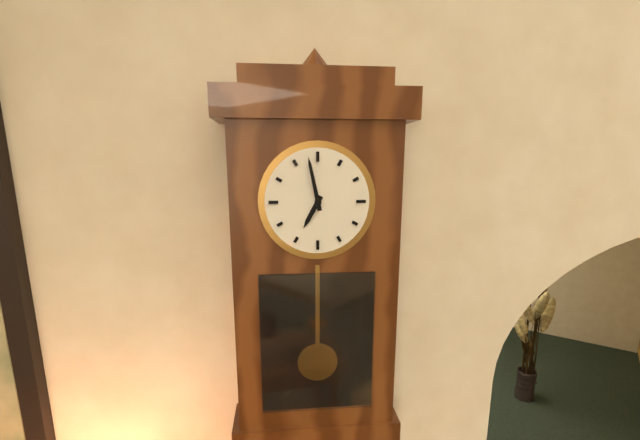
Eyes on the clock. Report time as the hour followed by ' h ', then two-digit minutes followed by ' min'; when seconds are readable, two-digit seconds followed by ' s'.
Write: 6 h 58 min
